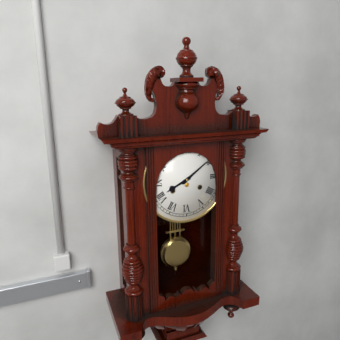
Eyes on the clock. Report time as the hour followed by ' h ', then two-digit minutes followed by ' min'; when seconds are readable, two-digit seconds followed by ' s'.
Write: 8 h 09 min
